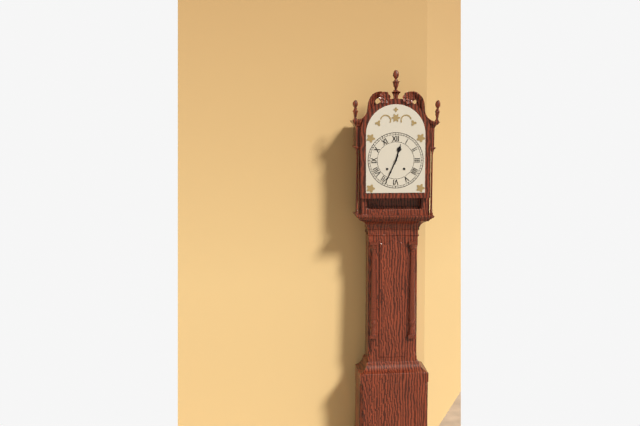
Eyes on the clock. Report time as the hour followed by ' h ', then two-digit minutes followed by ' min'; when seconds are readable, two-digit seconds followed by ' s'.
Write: 12 h 34 min
